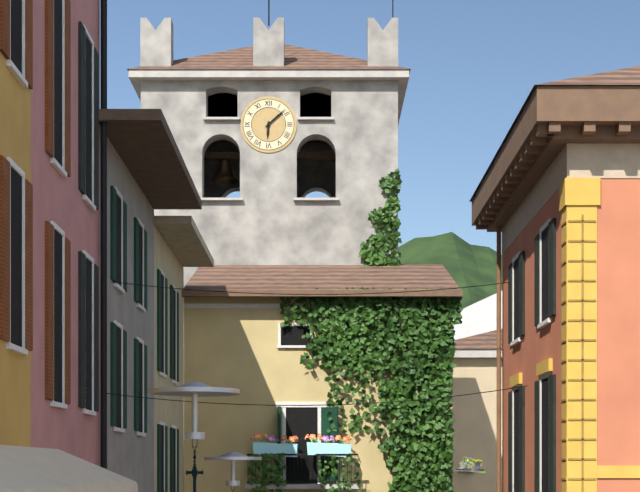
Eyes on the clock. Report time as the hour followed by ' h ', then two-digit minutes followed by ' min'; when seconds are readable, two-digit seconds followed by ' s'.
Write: 6 h 08 min
